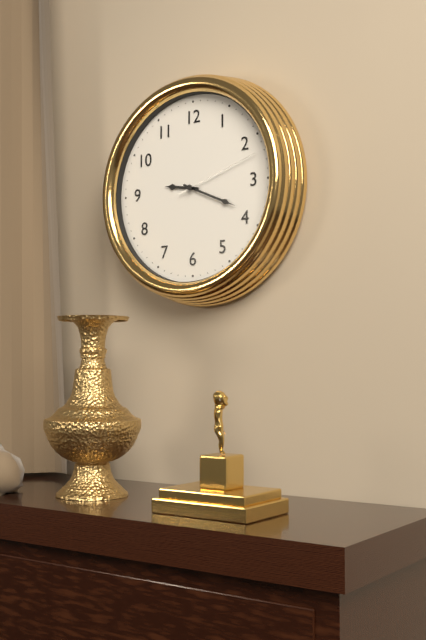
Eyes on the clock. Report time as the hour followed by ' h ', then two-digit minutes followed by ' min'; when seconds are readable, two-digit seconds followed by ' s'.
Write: 9 h 19 min 12 s
